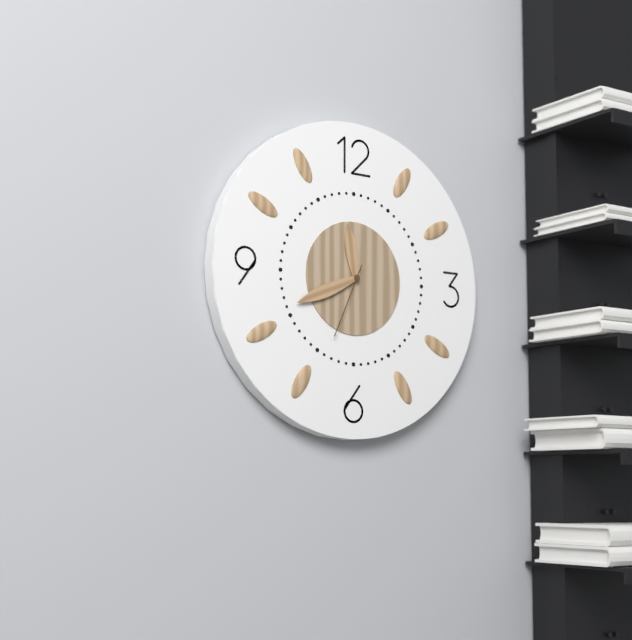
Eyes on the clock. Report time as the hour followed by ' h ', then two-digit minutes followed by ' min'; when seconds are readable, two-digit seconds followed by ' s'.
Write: 11 h 41 min 34 s
